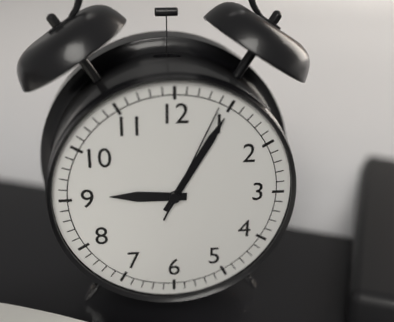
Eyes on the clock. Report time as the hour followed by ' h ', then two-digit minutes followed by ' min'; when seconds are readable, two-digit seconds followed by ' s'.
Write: 9 h 05 min 04 s
